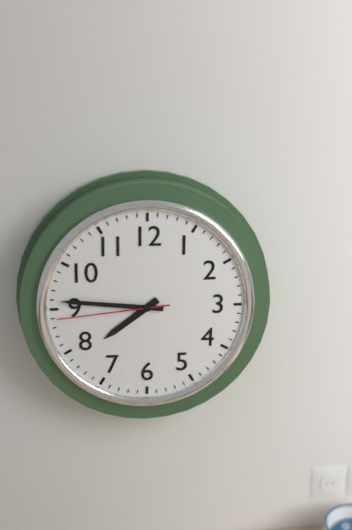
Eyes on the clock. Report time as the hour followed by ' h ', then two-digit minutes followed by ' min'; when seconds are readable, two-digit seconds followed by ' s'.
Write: 7 h 46 min 44 s
